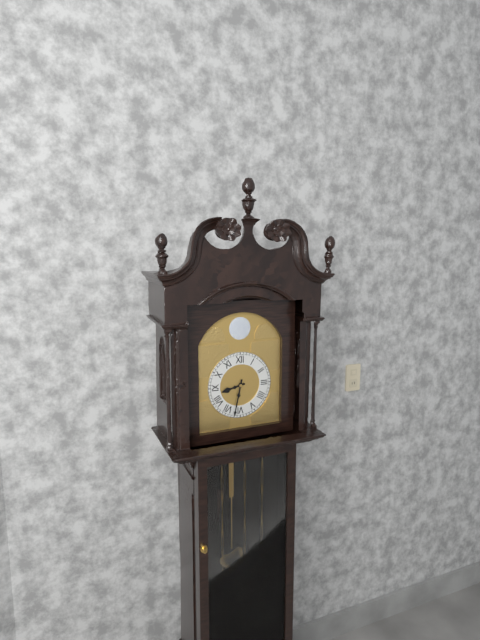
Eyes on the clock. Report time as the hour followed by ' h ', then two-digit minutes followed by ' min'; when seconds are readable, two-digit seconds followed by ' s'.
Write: 8 h 32 min
